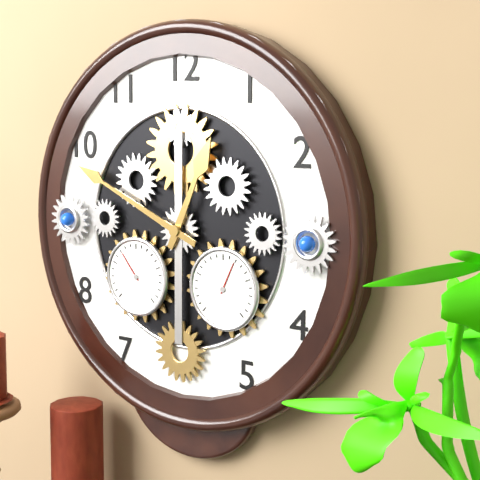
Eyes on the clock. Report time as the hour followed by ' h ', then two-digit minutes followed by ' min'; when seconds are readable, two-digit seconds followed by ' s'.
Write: 12 h 49 min
